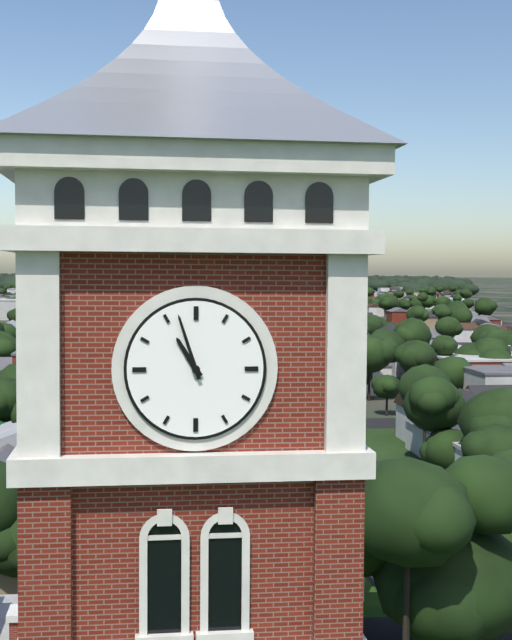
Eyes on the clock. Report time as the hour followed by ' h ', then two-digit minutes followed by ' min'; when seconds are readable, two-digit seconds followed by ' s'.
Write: 10 h 57 min
